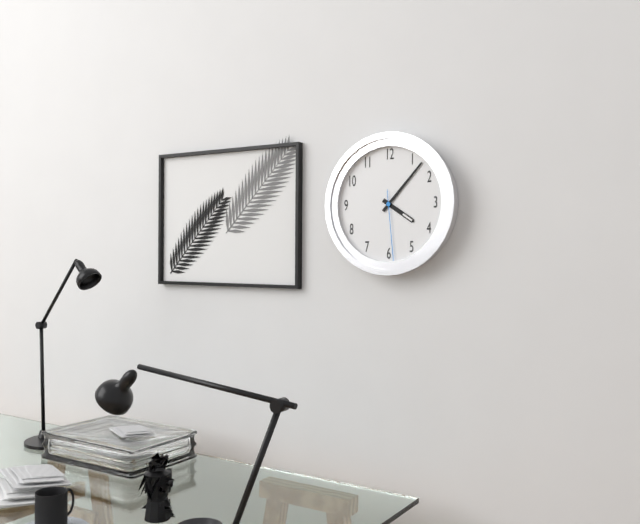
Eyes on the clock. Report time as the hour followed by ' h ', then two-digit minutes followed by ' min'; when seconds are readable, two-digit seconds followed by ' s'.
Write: 4 h 07 min 29 s
